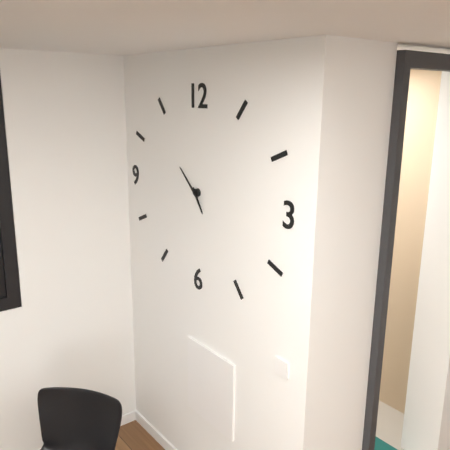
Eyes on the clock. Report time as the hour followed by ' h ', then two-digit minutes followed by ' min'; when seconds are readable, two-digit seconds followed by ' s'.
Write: 4 h 52 min
